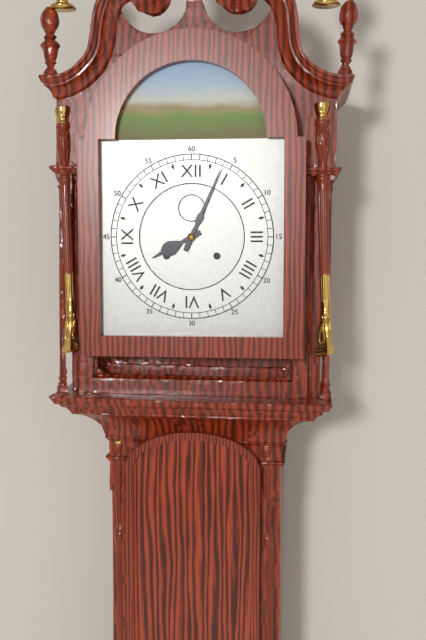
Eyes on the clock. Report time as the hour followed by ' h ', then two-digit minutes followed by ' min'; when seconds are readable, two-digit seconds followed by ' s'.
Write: 8 h 04 min
